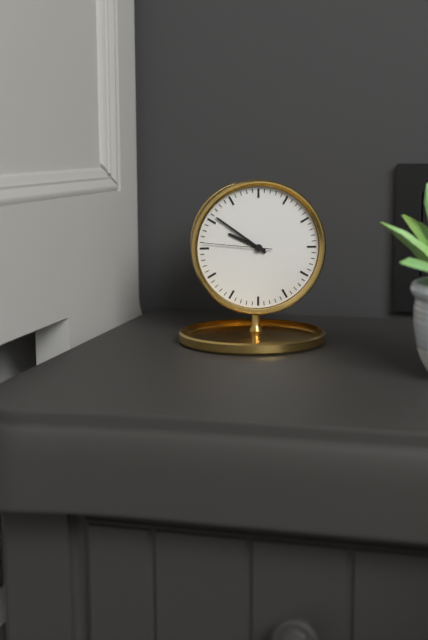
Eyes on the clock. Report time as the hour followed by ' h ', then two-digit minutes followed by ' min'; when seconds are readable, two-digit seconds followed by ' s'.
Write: 9 h 51 min 46 s
